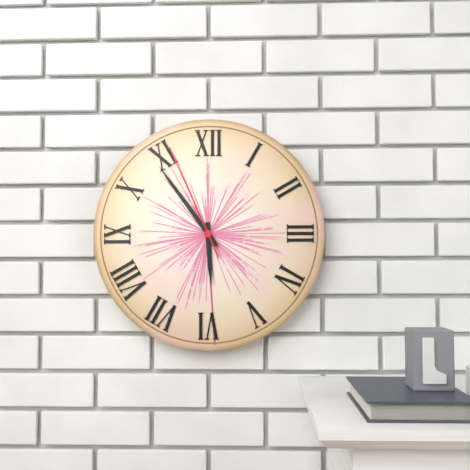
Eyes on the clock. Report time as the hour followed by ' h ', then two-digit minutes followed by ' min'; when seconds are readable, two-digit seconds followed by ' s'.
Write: 5 h 54 min 56 s
